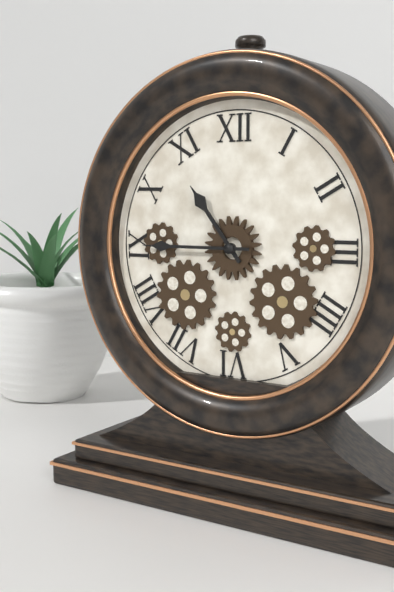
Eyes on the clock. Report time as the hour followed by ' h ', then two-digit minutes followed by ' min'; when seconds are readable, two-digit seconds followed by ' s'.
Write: 10 h 45 min
